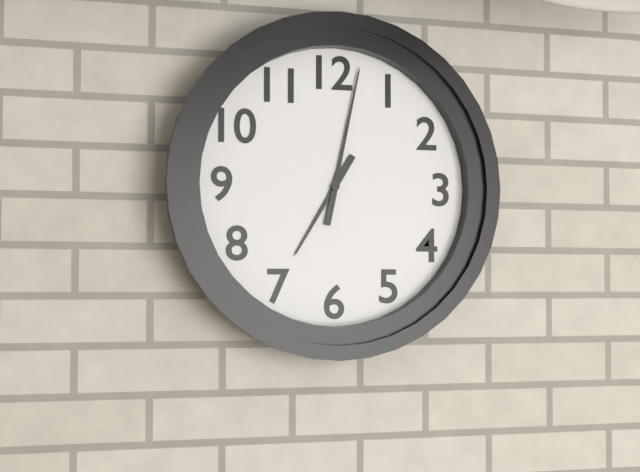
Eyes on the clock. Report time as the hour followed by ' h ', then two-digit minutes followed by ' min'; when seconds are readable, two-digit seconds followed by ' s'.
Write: 7 h 02 min
